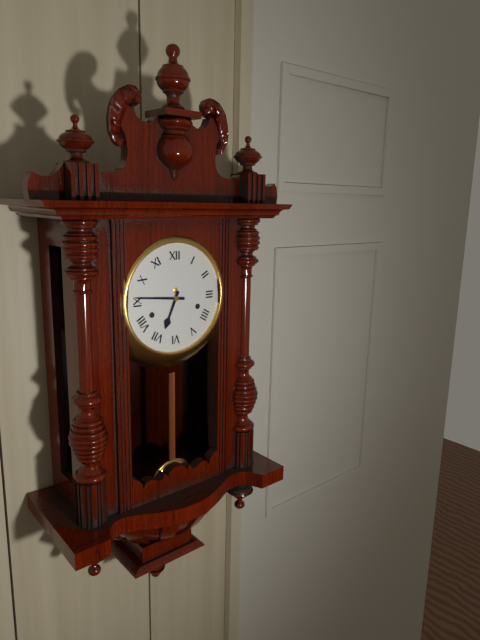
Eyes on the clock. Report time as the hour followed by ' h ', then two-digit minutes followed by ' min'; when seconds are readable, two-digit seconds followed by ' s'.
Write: 6 h 46 min
